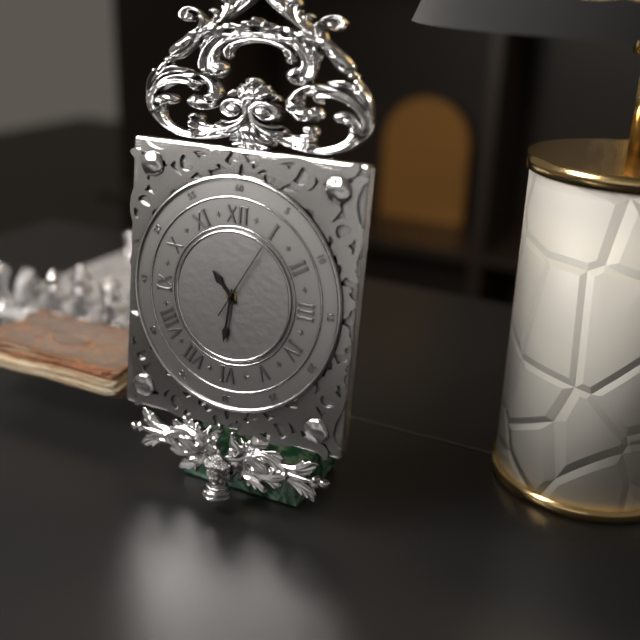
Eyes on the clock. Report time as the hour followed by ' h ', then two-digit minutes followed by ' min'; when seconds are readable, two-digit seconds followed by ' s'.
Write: 10 h 31 min 05 s
